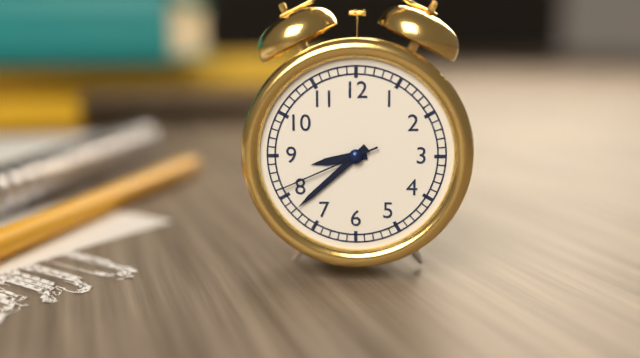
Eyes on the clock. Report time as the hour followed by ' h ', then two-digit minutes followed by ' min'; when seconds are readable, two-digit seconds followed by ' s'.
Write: 8 h 38 min 41 s
